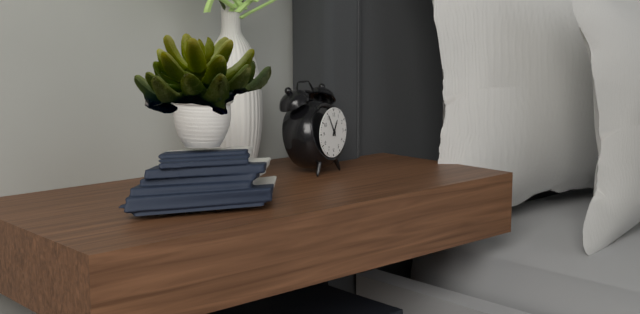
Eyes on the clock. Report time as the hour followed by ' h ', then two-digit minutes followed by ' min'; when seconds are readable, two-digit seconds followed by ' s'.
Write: 12 h 55 min
